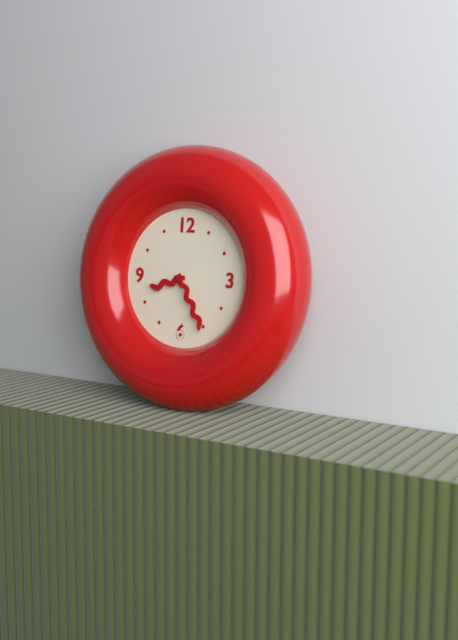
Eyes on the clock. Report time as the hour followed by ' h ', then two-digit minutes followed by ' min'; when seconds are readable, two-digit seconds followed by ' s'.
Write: 8 h 25 min
